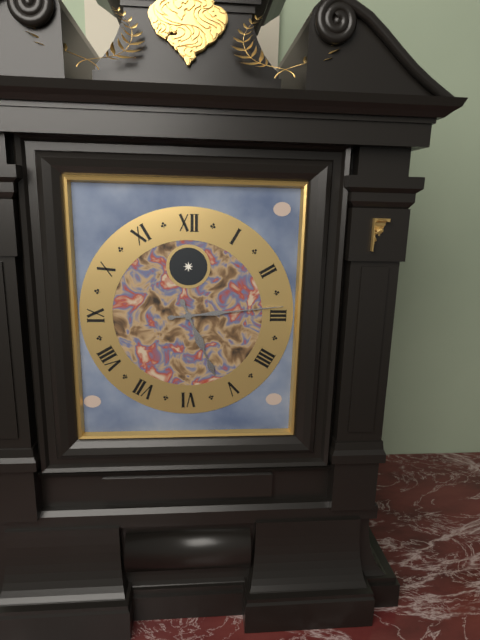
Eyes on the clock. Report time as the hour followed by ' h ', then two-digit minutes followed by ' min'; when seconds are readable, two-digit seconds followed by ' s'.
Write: 5 h 14 min
